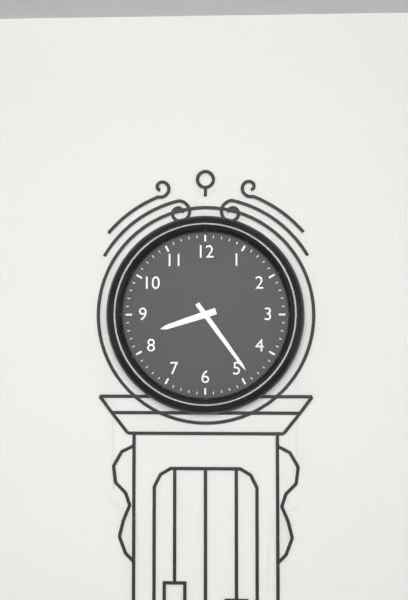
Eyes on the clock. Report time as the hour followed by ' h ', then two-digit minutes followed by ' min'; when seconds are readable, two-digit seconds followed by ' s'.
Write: 8 h 24 min
